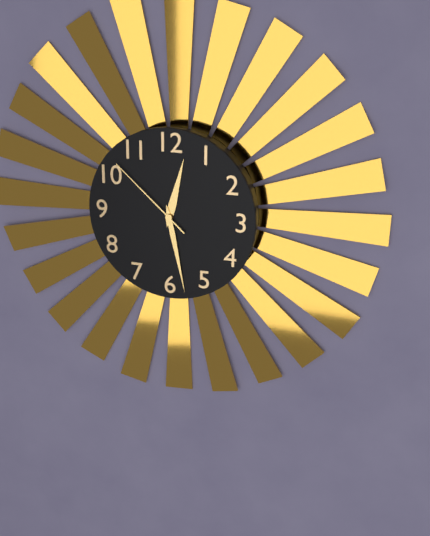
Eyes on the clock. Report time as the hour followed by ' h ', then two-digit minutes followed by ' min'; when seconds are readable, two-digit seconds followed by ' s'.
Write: 12 h 28 min 52 s
